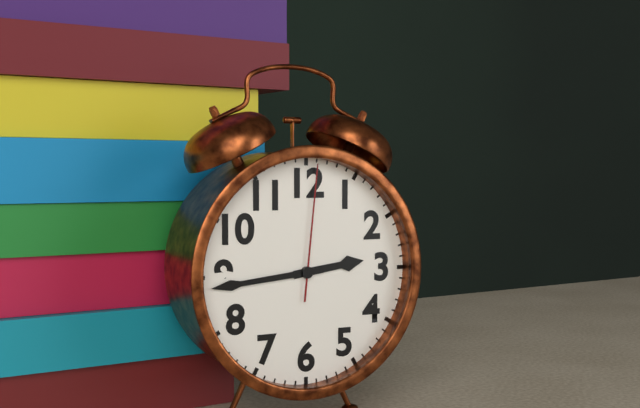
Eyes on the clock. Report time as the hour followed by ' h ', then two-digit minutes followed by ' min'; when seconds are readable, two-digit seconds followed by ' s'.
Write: 2 h 44 min 01 s
